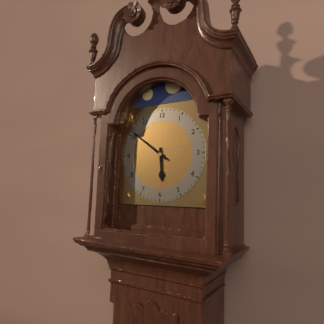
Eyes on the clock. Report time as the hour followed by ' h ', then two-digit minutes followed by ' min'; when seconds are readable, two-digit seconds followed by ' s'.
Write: 5 h 51 min
